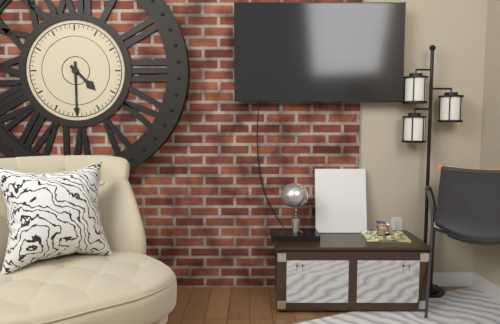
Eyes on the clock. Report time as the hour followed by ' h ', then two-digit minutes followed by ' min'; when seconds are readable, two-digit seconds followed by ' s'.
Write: 4 h 30 min
